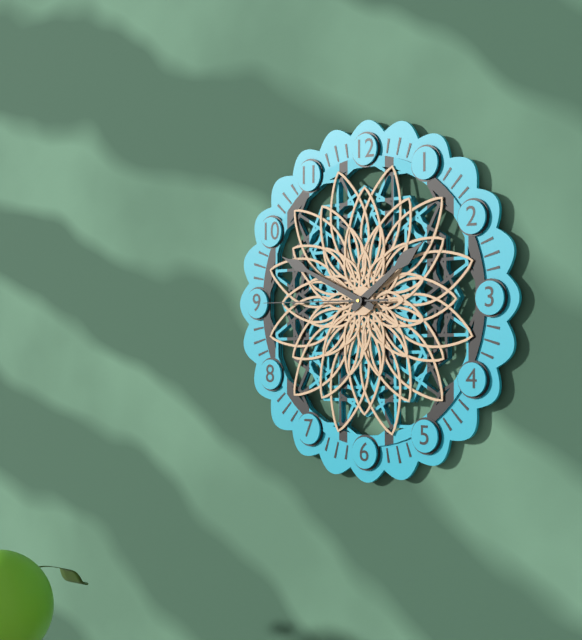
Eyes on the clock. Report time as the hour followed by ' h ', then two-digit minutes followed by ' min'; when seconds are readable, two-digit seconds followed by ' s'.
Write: 1 h 49 min 45 s
